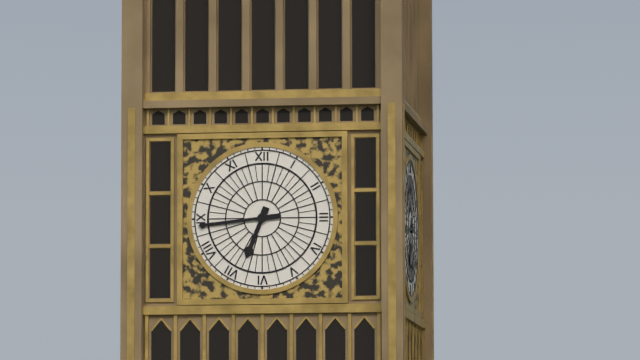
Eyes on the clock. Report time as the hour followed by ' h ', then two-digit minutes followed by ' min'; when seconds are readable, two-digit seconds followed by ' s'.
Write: 6 h 44 min
